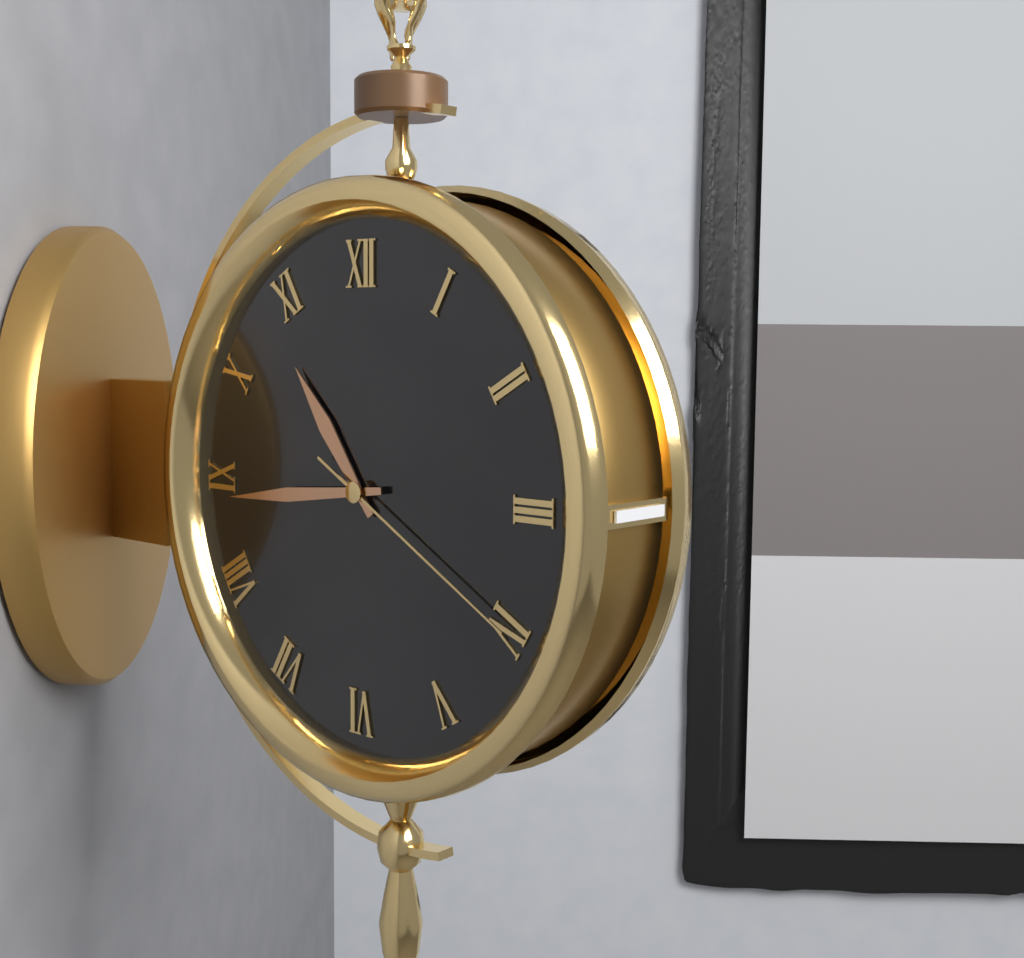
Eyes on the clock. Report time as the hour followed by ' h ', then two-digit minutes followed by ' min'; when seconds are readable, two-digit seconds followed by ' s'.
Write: 10 h 44 min 20 s
